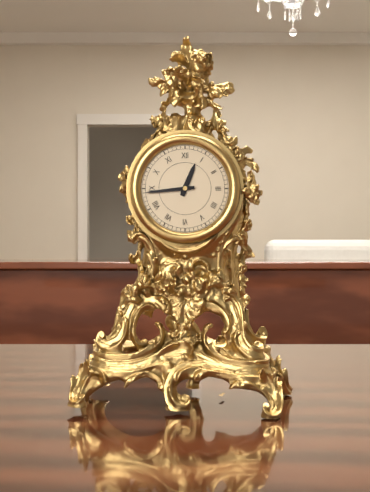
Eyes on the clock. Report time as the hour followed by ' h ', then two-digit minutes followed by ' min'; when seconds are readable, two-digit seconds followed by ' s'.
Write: 12 h 44 min
